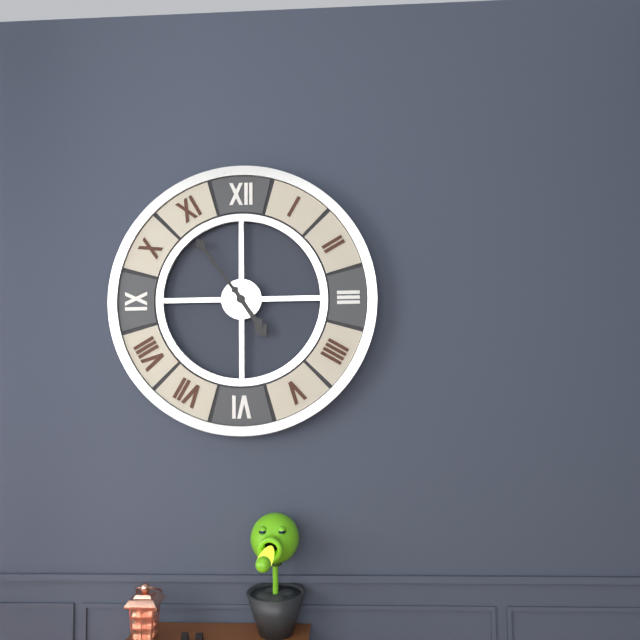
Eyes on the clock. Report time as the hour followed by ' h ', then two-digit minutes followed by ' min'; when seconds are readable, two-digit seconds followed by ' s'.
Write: 4 h 54 min
